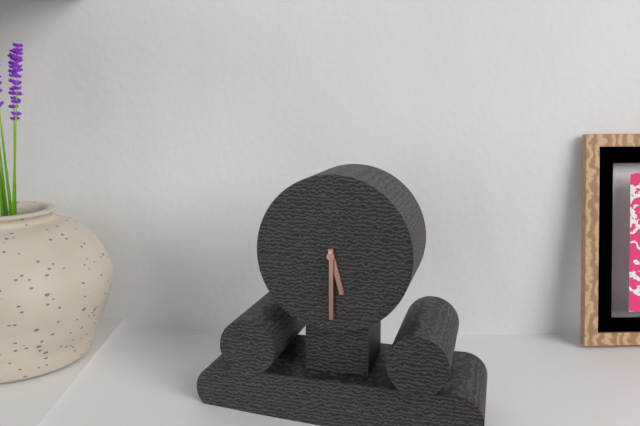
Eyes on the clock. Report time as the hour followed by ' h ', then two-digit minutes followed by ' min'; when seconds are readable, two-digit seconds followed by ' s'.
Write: 5 h 30 min
